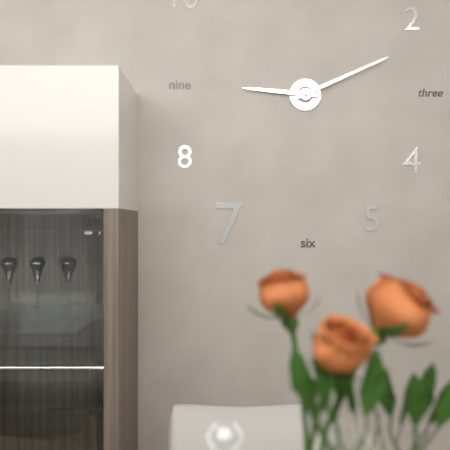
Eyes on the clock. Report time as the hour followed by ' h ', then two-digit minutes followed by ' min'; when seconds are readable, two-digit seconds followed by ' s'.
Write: 9 h 11 min
